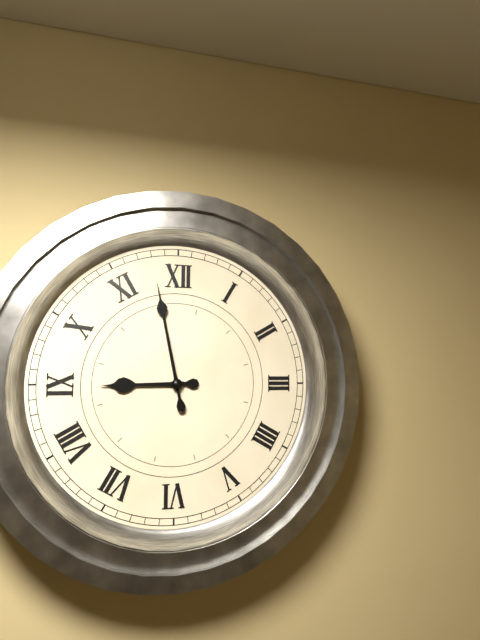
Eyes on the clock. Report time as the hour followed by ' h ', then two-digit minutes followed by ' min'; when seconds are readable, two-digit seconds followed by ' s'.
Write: 8 h 58 min
